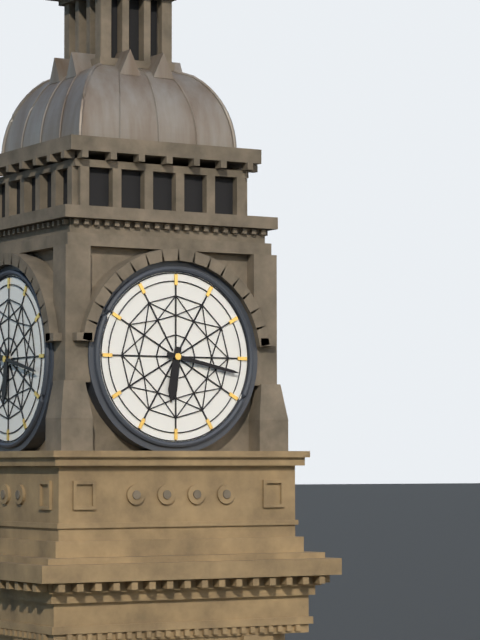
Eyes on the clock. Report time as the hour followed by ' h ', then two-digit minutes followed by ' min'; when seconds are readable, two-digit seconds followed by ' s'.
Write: 6 h 17 min
